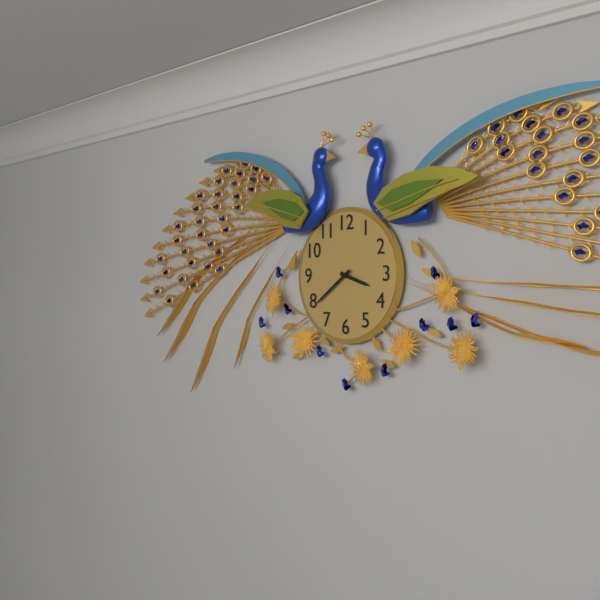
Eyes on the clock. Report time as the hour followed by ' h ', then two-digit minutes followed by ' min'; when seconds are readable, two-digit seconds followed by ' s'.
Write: 3 h 39 min
